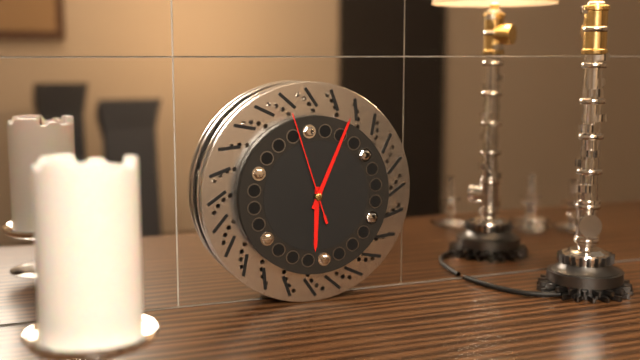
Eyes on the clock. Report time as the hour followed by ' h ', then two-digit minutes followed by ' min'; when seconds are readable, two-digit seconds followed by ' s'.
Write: 6 h 04 min 57 s
